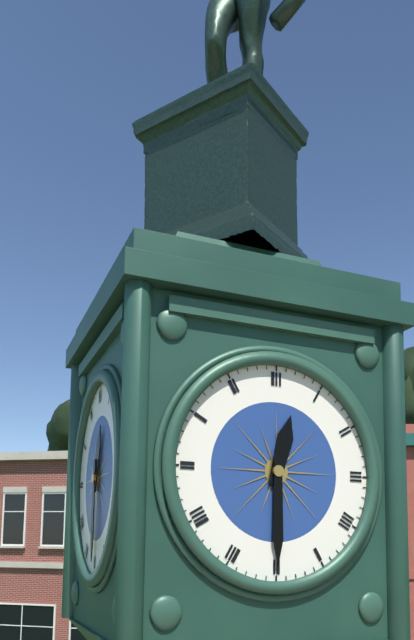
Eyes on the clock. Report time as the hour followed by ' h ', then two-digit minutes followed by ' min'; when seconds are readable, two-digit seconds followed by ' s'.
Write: 12 h 30 min
